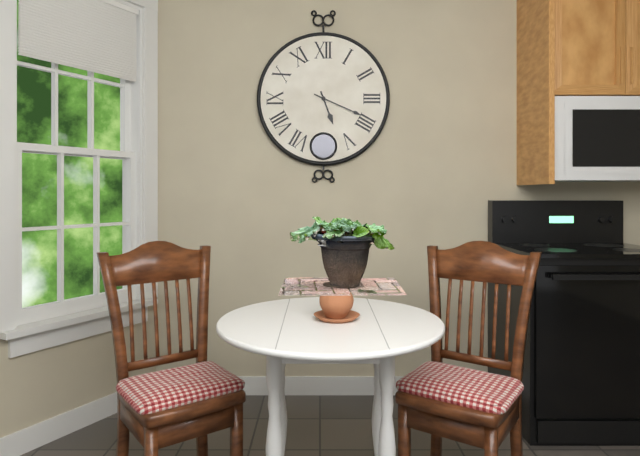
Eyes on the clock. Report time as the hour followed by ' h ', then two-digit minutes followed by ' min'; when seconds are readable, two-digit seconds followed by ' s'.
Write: 5 h 19 min
